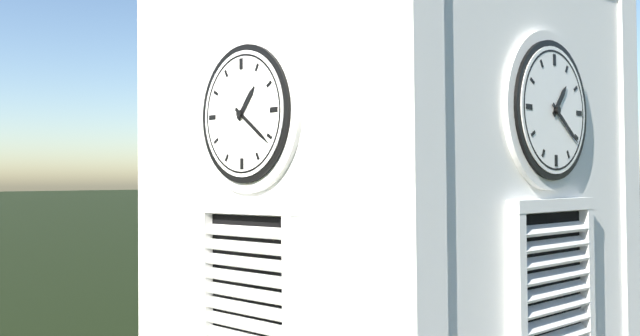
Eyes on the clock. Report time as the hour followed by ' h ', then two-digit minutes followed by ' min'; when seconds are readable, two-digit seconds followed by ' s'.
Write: 1 h 21 min
